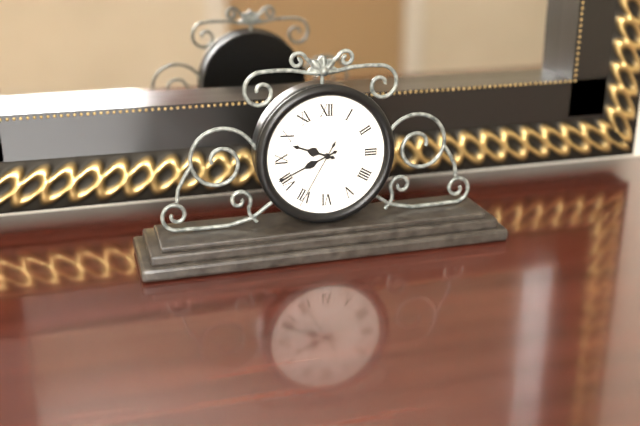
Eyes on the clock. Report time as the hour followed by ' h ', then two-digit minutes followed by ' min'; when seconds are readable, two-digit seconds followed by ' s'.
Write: 9 h 41 min 35 s
